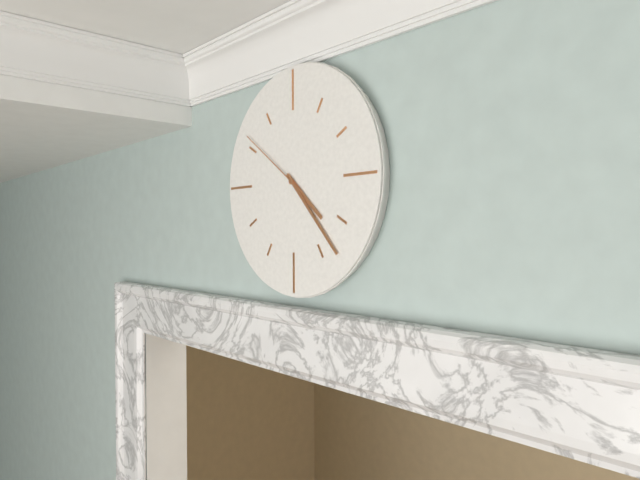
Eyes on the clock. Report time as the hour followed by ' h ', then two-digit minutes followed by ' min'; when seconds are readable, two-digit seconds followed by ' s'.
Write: 4 h 23 min 51 s
